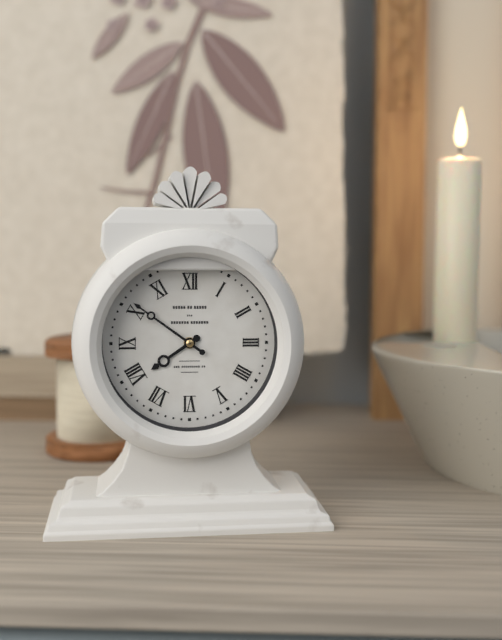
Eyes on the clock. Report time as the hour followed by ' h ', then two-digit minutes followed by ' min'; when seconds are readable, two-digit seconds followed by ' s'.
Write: 7 h 51 min
